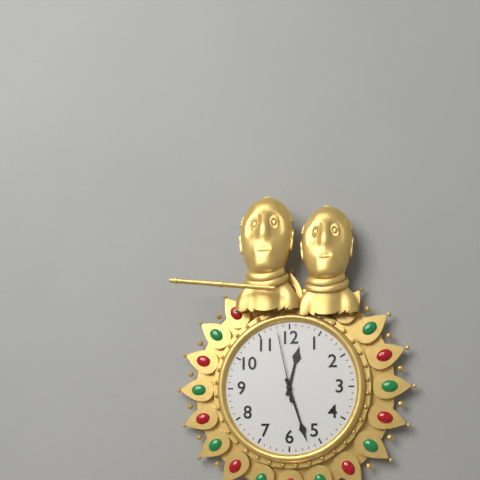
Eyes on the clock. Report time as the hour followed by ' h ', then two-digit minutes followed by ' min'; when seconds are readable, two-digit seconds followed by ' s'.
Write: 12 h 27 min 58 s
